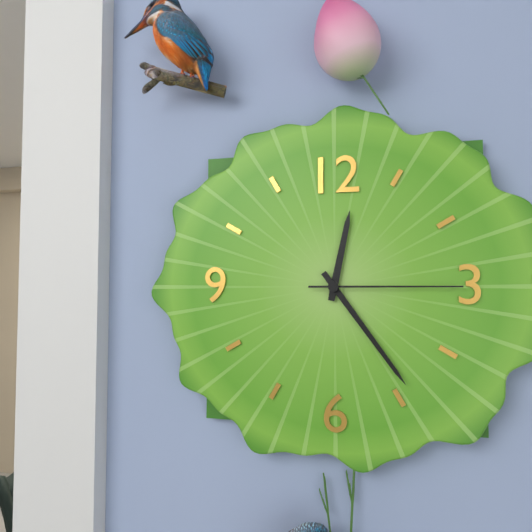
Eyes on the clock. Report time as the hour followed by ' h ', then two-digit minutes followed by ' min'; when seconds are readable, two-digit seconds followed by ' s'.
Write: 12 h 24 min 15 s
